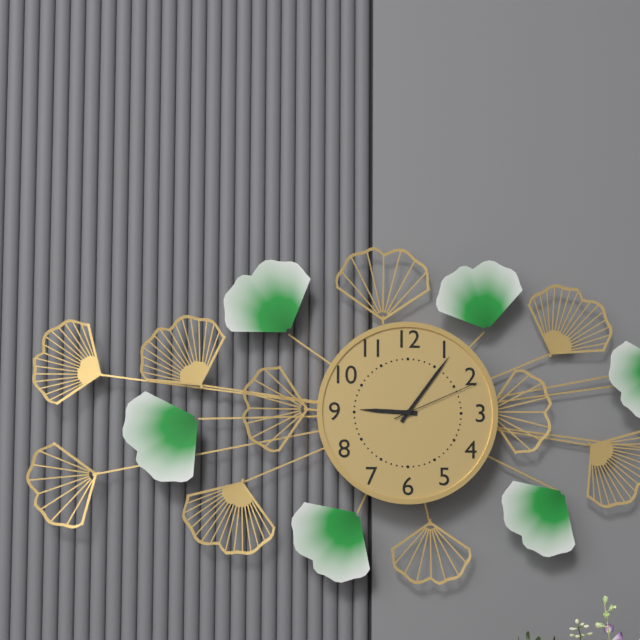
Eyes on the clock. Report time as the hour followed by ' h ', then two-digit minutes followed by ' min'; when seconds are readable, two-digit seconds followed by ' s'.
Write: 9 h 06 min 11 s
